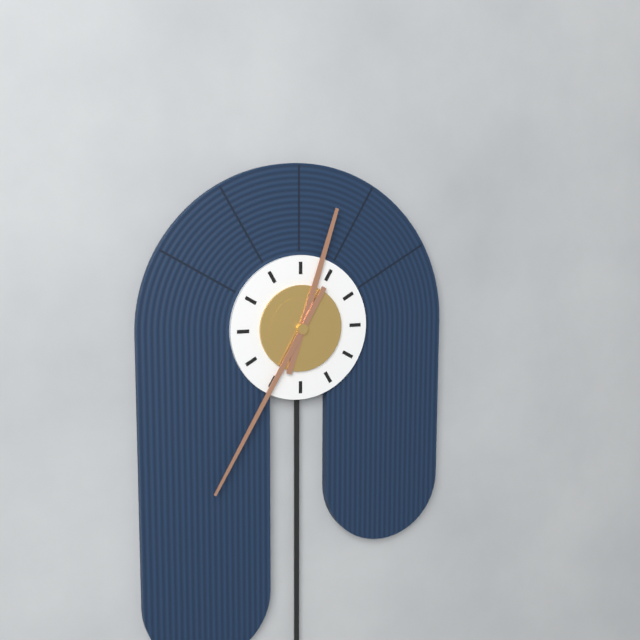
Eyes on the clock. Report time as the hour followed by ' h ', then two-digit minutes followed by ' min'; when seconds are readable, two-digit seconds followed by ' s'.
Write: 12 h 35 min
